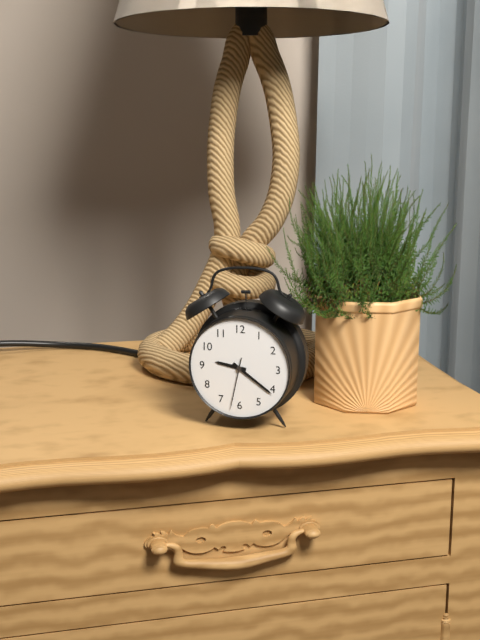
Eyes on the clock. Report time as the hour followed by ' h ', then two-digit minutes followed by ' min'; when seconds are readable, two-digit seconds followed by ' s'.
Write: 9 h 21 min 32 s
